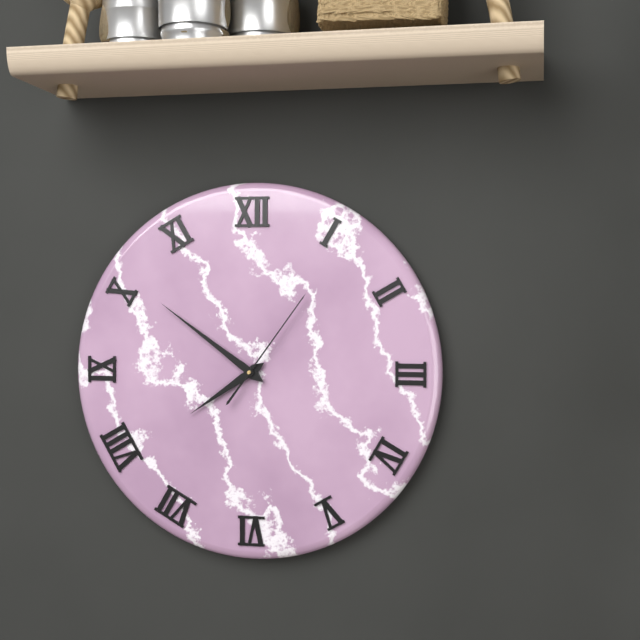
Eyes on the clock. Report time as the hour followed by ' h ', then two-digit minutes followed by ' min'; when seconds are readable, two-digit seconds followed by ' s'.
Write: 7 h 51 min 06 s
